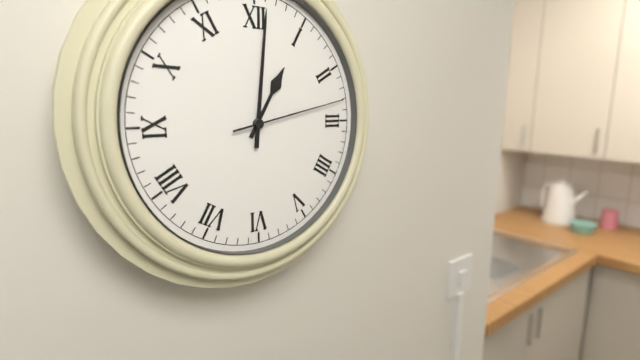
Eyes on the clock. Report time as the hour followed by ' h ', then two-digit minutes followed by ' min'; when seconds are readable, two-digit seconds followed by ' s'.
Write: 1 h 01 min 13 s
